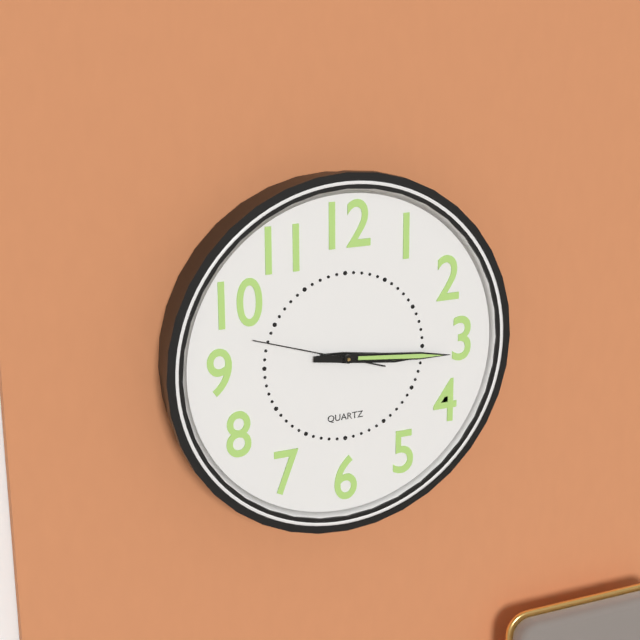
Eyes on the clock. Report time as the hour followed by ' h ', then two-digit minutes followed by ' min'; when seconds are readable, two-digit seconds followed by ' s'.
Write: 3 h 16 min 48 s
